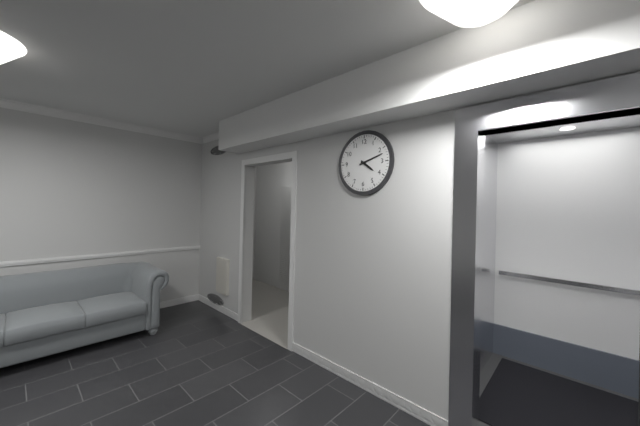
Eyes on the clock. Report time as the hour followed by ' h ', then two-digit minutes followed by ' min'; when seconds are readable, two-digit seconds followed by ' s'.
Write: 4 h 12 min
